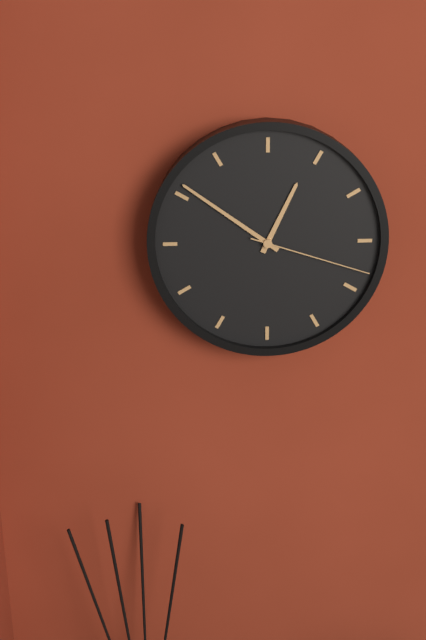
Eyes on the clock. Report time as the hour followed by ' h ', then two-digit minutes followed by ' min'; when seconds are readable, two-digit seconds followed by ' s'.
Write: 12 h 51 min 18 s
